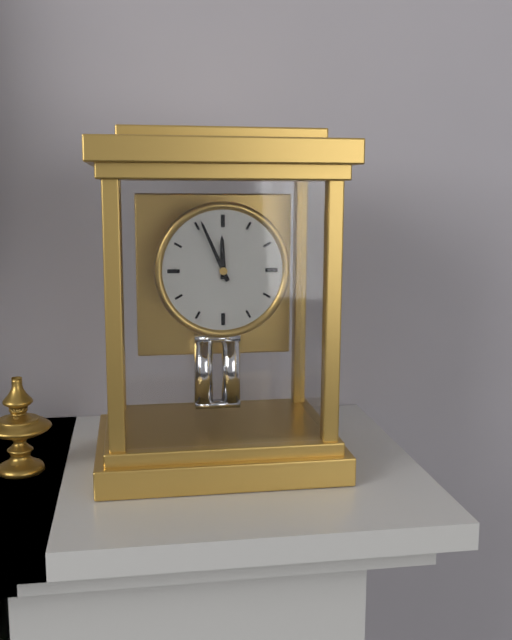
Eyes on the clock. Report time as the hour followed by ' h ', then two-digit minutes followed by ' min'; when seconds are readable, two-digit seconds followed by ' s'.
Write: 11 h 56 min
